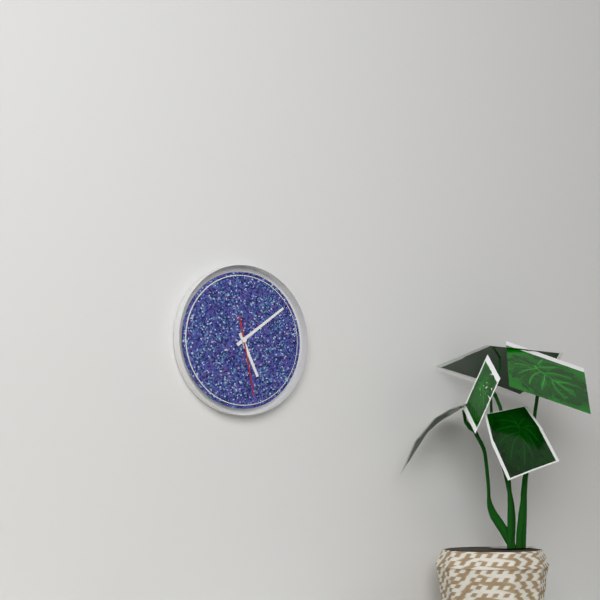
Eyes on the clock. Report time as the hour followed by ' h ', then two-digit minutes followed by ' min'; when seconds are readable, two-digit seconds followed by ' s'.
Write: 5 h 09 min 28 s
